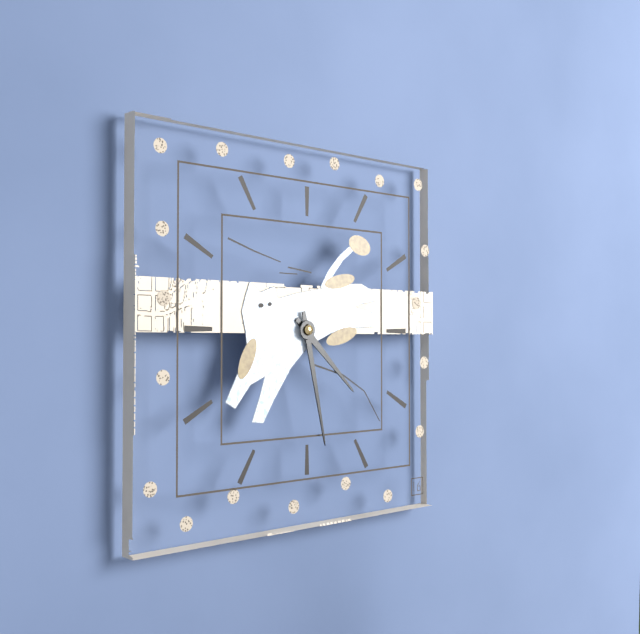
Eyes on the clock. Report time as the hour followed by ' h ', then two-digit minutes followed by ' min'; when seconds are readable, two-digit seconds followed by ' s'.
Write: 4 h 28 min
